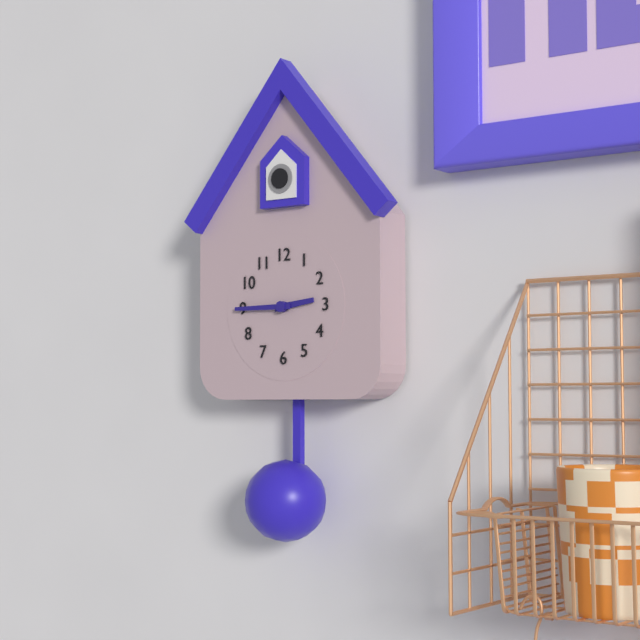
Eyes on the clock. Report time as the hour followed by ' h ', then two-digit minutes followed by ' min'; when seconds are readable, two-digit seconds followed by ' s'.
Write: 2 h 45 min
